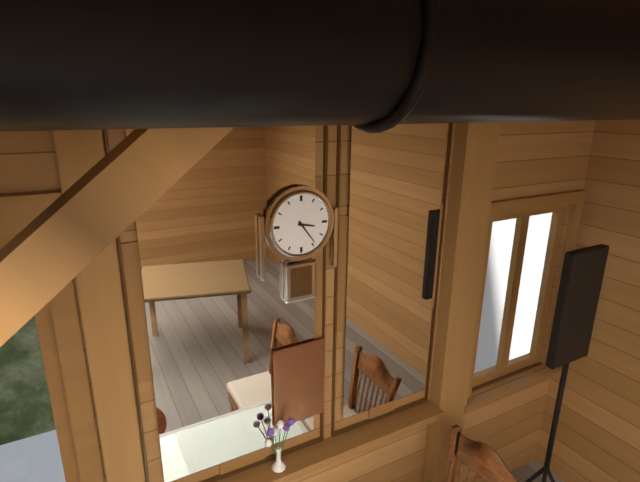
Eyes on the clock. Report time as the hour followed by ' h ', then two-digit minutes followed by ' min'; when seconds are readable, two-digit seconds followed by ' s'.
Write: 3 h 24 min
